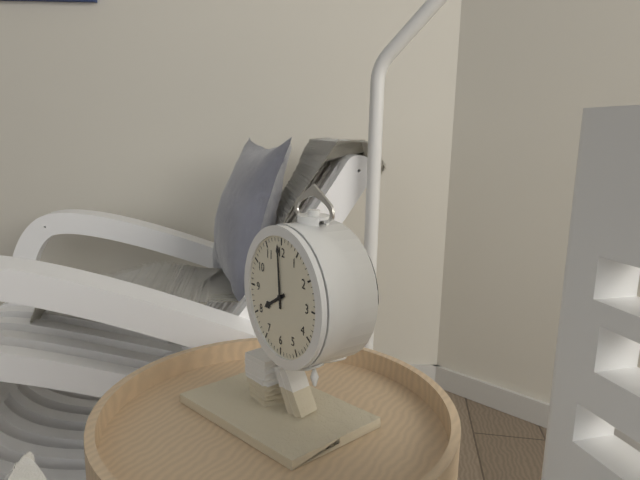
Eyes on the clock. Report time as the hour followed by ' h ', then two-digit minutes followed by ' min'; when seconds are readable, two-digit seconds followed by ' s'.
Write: 7 h 59 min
